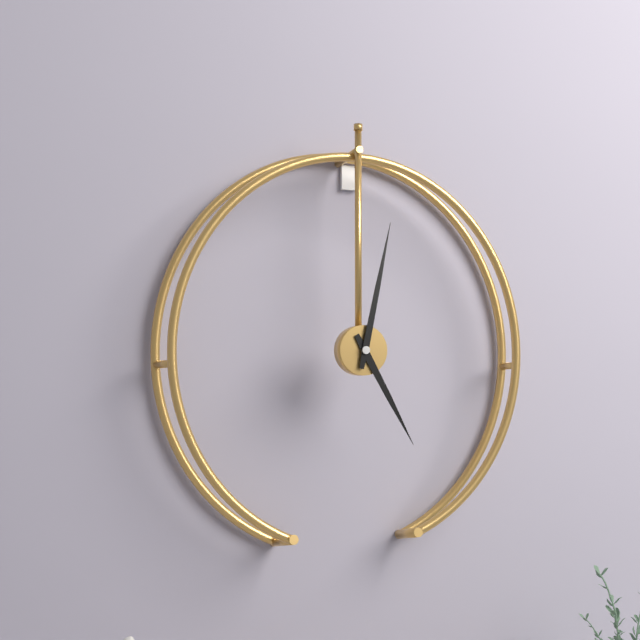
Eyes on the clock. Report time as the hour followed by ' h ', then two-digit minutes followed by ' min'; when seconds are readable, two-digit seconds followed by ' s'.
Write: 5 h 02 min
